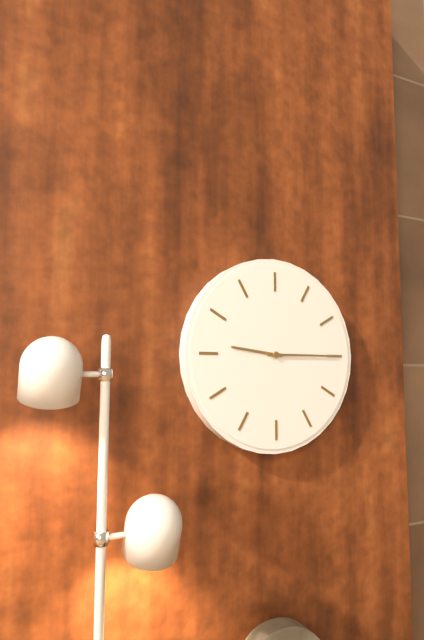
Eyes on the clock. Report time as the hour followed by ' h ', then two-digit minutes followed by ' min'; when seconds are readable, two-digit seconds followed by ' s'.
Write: 9 h 15 min
